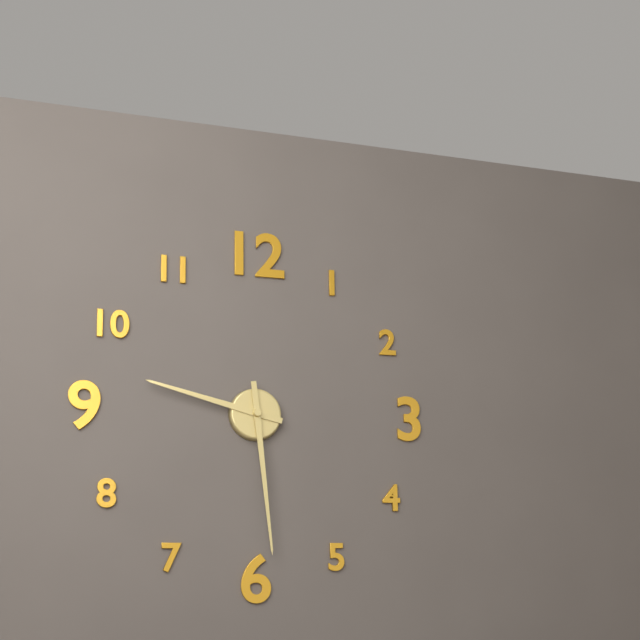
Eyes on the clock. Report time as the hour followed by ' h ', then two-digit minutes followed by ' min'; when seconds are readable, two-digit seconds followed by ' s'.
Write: 9 h 29 min
